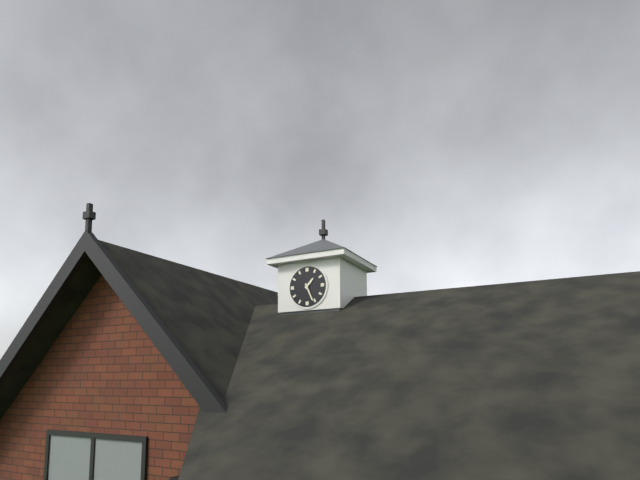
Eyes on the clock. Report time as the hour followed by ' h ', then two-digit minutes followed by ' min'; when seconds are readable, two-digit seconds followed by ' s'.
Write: 1 h 26 min
